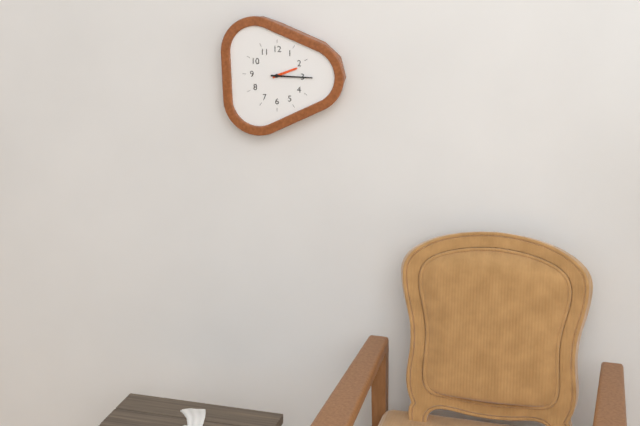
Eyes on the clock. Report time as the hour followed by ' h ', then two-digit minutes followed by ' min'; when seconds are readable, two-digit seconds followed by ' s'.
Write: 2 h 15 min
